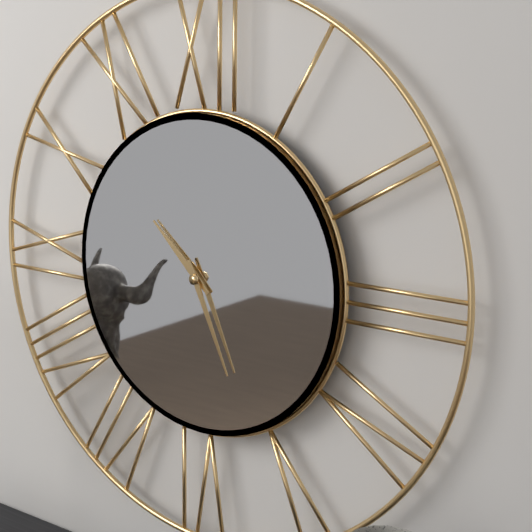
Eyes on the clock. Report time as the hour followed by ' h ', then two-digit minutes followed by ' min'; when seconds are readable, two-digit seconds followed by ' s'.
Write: 10 h 26 min
